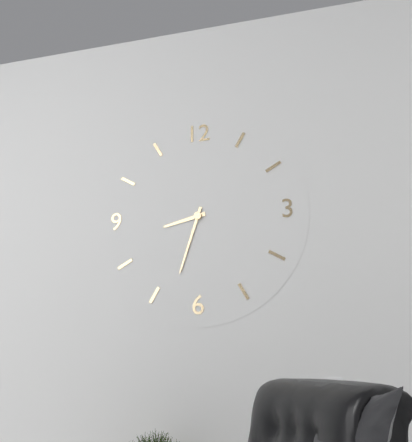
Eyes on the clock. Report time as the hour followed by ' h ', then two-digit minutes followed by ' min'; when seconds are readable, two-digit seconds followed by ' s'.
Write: 8 h 33 min
